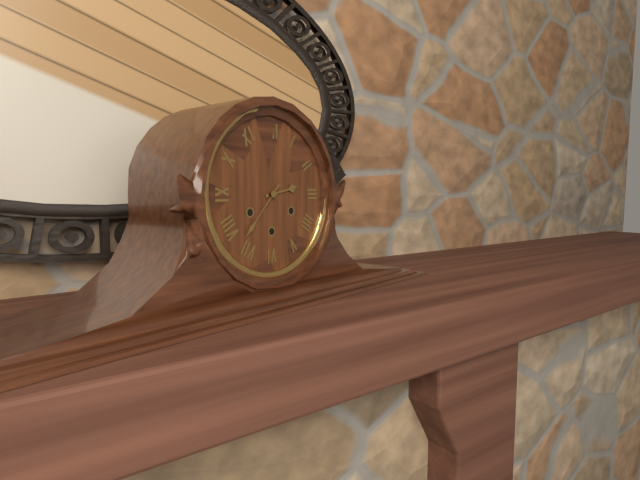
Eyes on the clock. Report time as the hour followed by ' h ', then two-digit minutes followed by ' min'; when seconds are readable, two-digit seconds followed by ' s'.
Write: 2 h 37 min
